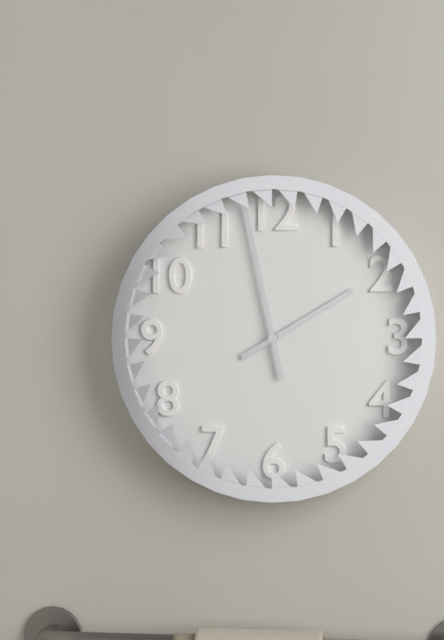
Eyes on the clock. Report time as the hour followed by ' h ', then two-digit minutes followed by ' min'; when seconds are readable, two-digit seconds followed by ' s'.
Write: 1 h 58 min
